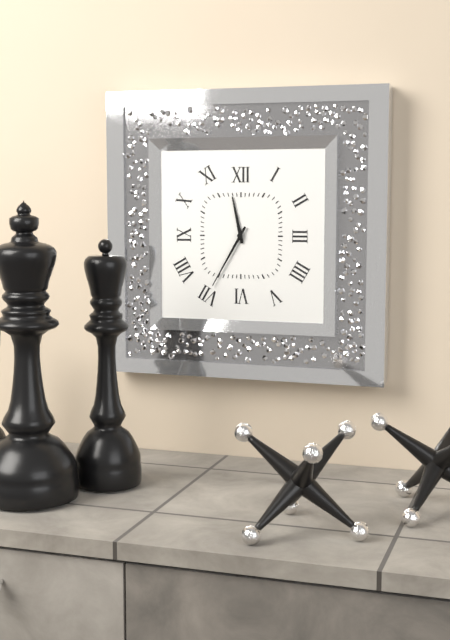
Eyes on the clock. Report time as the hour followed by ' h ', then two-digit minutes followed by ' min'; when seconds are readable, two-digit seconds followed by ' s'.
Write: 11 h 35 min
